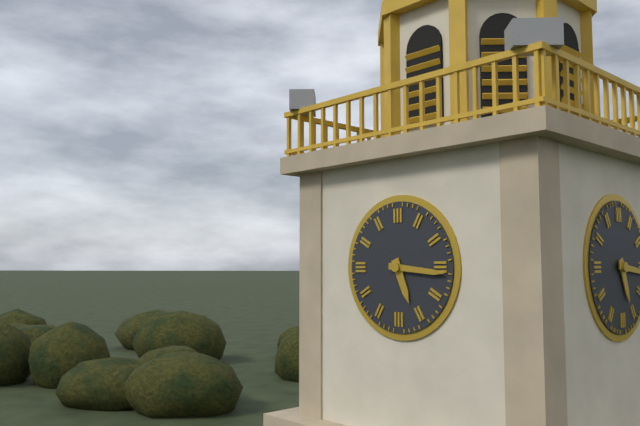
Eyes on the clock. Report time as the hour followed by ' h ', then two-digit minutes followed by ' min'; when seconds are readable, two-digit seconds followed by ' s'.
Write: 5 h 16 min
